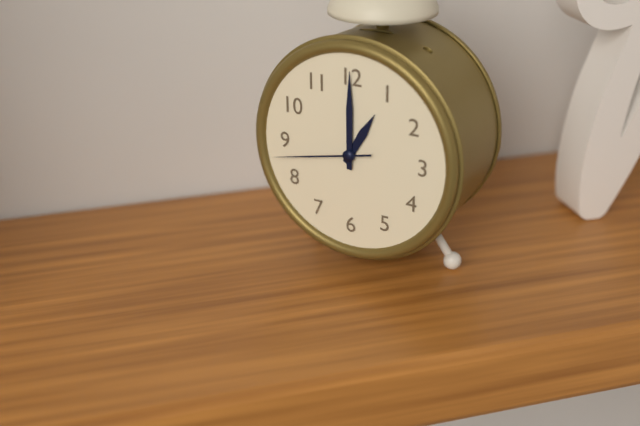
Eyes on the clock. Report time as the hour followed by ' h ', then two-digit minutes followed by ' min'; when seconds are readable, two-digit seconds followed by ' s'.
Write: 1 h 00 min 43 s
